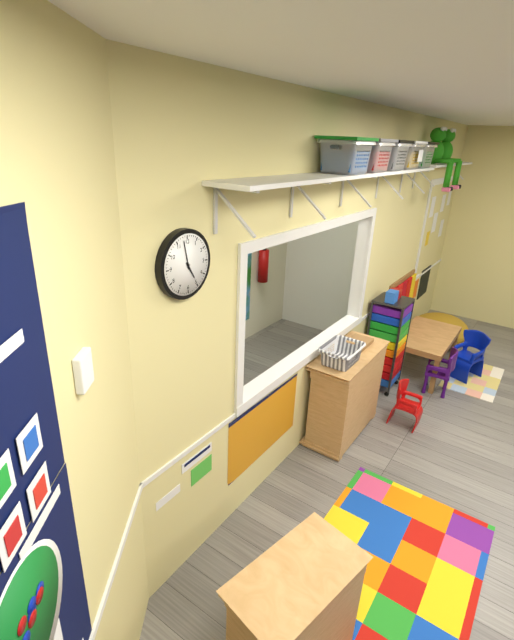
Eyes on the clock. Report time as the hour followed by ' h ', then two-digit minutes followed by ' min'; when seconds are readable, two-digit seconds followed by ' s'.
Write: 4 h 58 min
